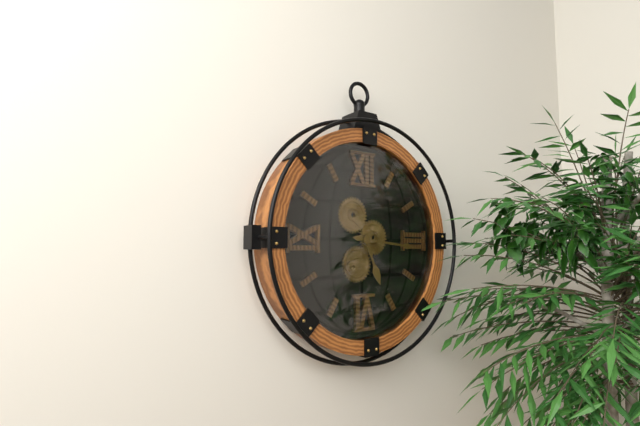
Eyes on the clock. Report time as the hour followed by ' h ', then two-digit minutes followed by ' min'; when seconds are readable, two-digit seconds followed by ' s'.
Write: 5 h 16 min
